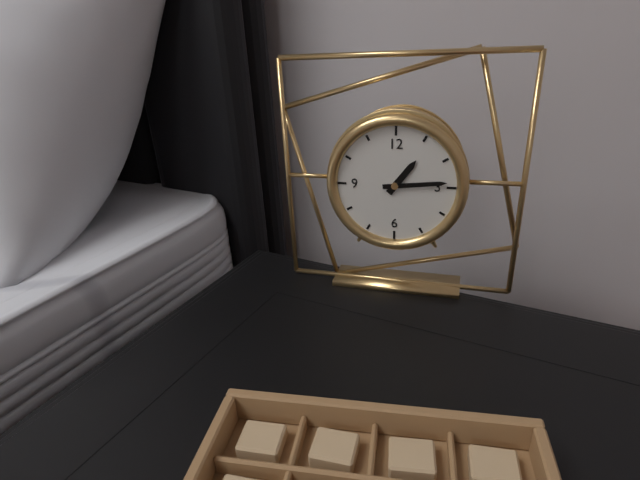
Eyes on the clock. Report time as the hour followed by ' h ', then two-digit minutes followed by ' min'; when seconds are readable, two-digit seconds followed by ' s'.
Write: 1 h 14 min
